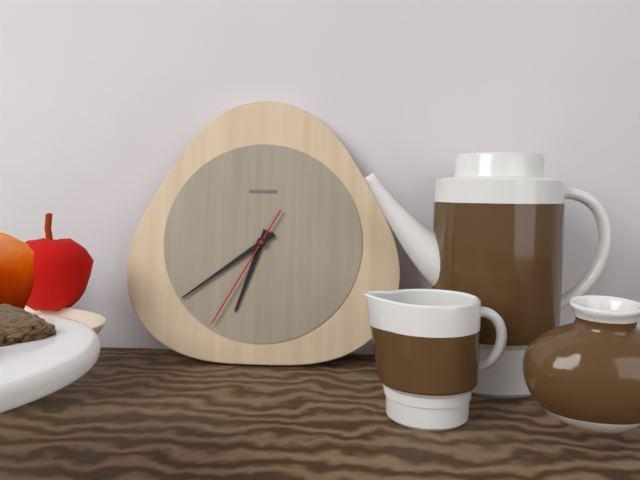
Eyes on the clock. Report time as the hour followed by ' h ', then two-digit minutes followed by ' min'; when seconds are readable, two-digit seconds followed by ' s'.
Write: 6 h 39 min 35 s
